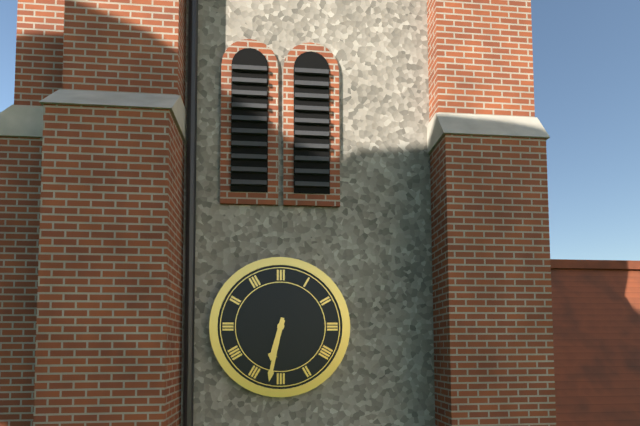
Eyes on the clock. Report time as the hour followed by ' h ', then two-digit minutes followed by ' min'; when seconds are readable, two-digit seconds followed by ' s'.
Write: 6 h 32 min
